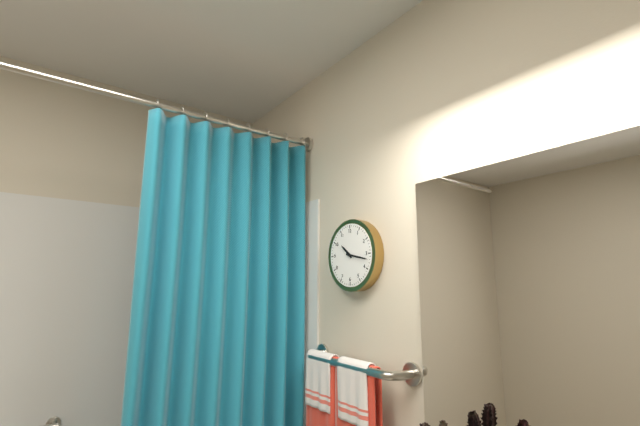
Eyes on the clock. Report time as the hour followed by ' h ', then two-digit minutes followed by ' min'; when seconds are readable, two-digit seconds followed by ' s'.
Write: 10 h 17 min
